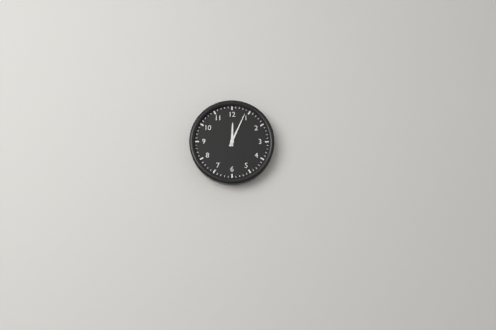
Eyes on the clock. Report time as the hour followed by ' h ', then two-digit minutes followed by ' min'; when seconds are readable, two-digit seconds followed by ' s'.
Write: 12 h 04 min
